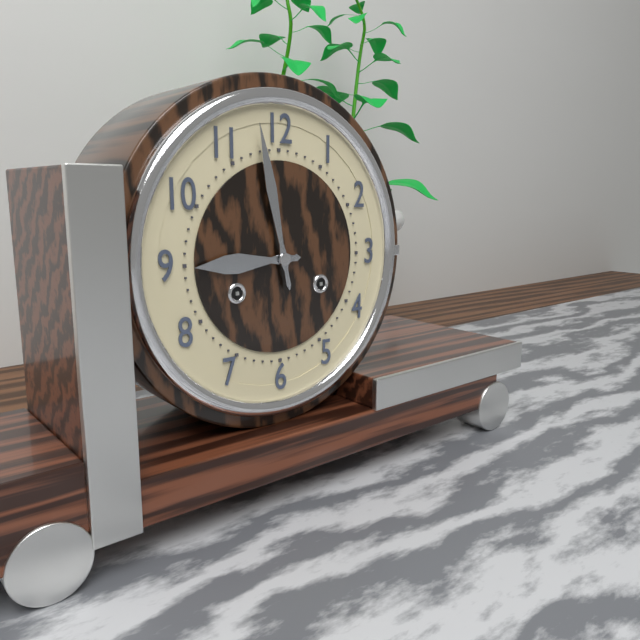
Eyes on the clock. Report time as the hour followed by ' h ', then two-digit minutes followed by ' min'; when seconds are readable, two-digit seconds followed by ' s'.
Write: 8 h 58 min
